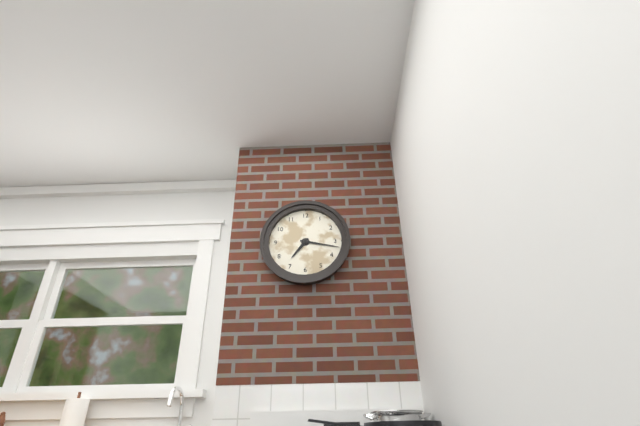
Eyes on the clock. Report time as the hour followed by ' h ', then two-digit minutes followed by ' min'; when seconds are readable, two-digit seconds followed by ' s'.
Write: 7 h 17 min
